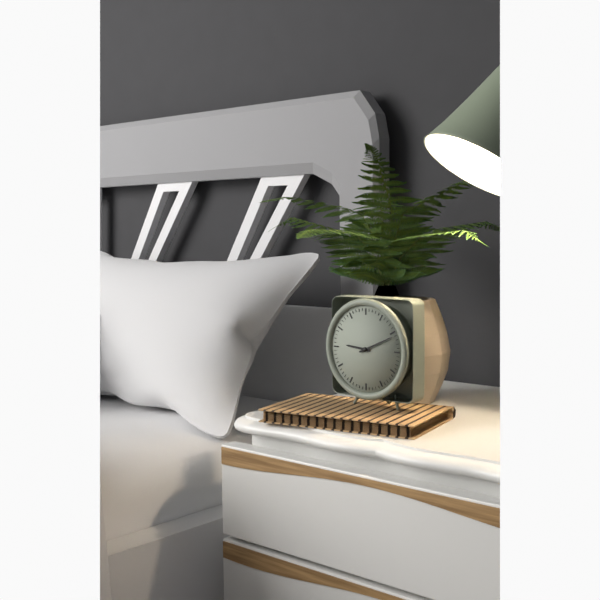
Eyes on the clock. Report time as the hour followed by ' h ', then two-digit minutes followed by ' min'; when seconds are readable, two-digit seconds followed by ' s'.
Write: 9 h 11 min
